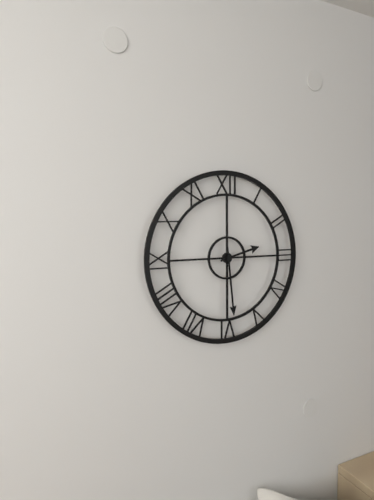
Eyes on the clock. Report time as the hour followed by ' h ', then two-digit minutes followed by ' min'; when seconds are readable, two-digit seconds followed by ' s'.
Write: 2 h 29 min
